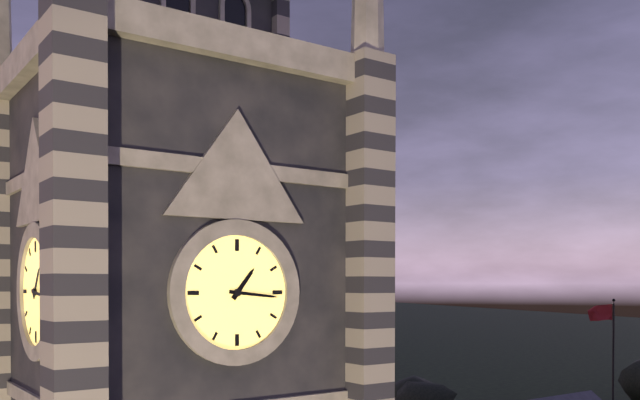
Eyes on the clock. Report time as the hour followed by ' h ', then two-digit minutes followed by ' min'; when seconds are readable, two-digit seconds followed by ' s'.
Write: 1 h 16 min
